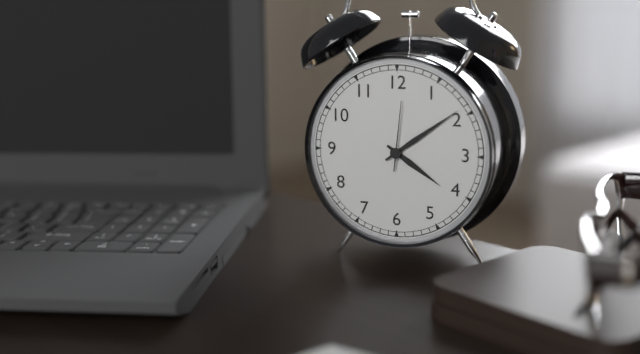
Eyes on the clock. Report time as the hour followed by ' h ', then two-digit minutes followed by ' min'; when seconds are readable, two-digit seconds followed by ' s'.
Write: 4 h 09 min 01 s
